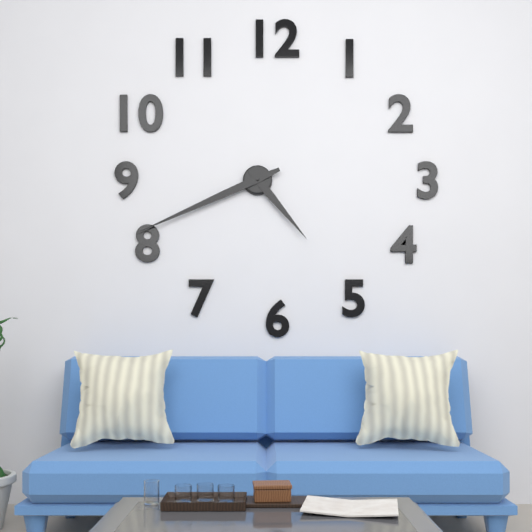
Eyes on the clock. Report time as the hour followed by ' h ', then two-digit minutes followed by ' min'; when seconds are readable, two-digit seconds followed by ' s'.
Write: 4 h 41 min
